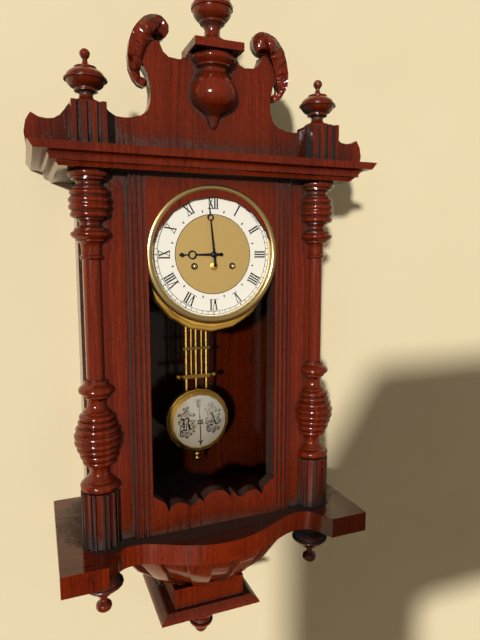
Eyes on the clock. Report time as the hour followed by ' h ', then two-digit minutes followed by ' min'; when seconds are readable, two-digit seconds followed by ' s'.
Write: 8 h 59 min
